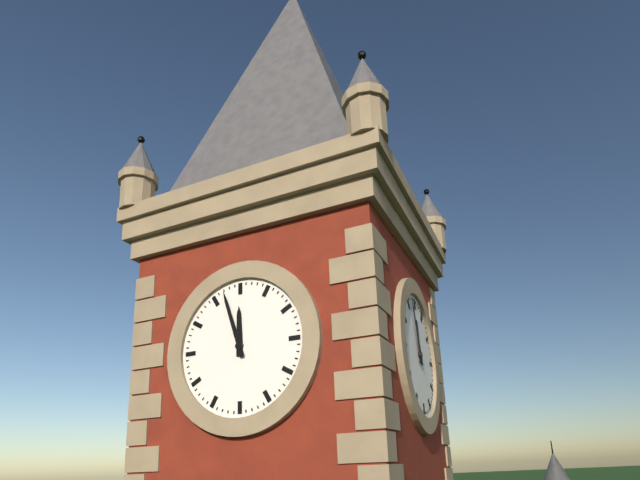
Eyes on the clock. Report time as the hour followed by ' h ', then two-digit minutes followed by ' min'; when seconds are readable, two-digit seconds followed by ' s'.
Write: 11 h 57 min
